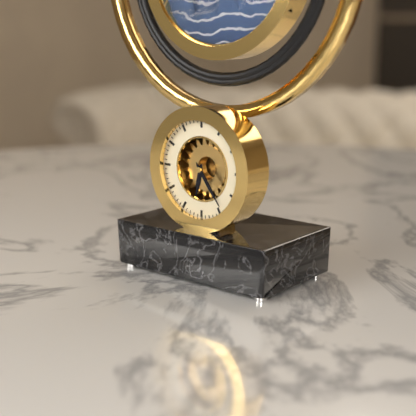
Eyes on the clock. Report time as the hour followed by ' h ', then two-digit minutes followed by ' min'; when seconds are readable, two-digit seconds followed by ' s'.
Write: 6 h 24 min
